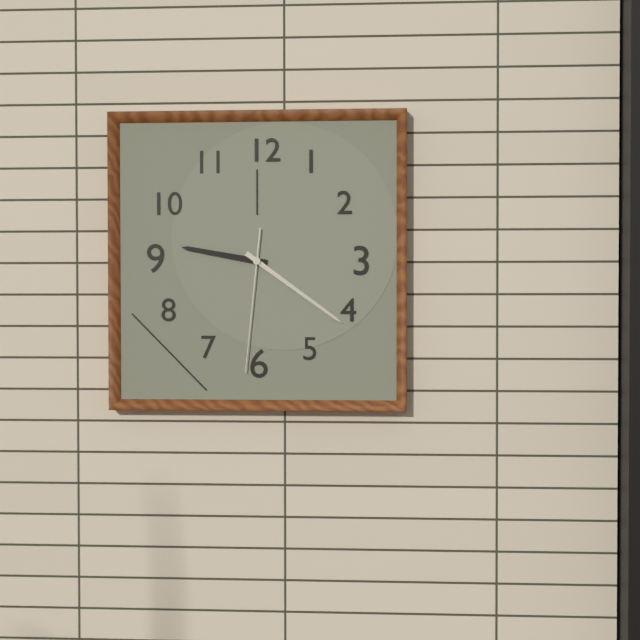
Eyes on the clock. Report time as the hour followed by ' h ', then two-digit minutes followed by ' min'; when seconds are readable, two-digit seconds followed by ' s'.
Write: 9 h 21 min 31 s
